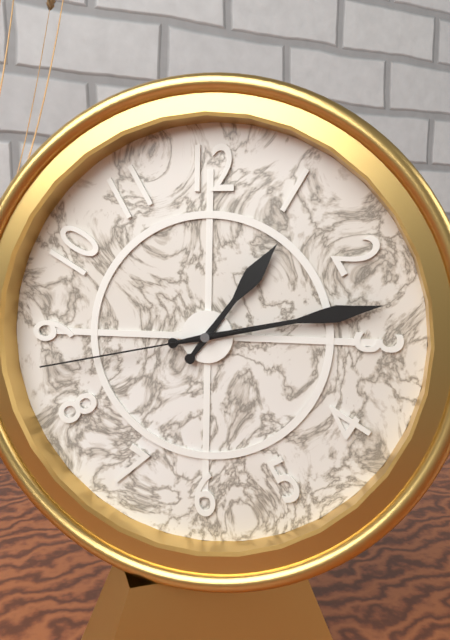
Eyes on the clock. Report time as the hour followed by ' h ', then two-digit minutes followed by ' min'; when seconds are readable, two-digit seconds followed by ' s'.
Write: 1 h 13 min 43 s
